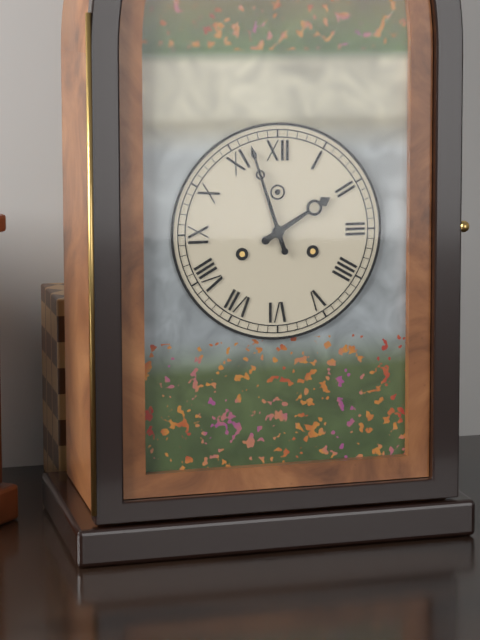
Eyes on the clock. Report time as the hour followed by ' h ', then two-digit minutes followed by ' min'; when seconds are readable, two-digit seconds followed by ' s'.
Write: 1 h 57 min
